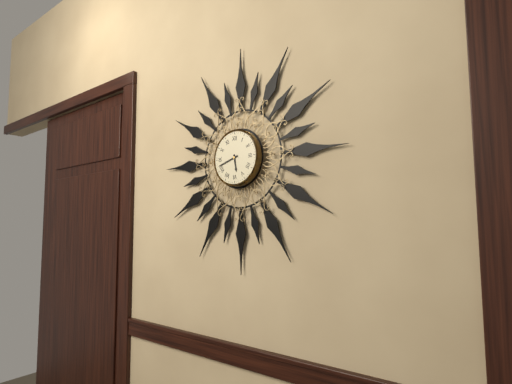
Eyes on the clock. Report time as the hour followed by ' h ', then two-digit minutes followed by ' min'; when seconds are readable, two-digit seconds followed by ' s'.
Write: 5 h 42 min
